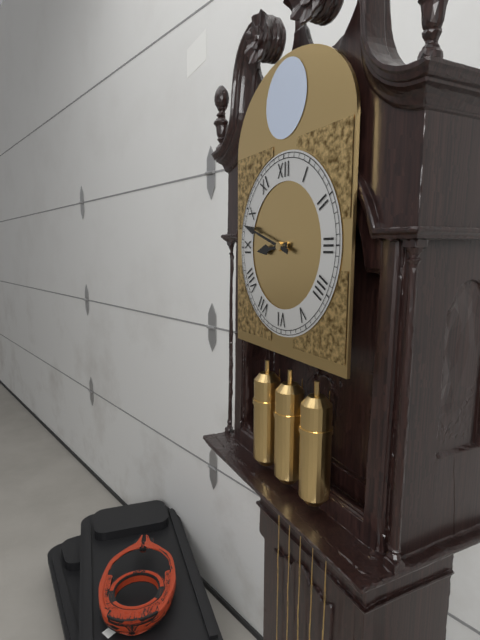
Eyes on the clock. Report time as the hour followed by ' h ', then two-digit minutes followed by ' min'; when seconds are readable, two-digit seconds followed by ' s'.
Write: 8 h 48 min
